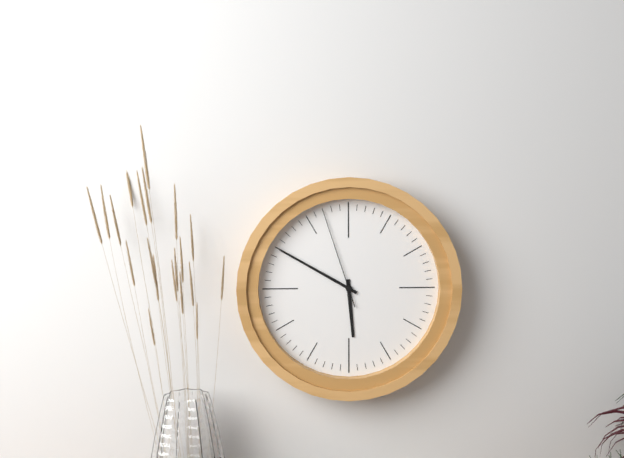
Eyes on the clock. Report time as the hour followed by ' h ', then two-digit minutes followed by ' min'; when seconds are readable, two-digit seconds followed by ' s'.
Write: 5 h 50 min 57 s
